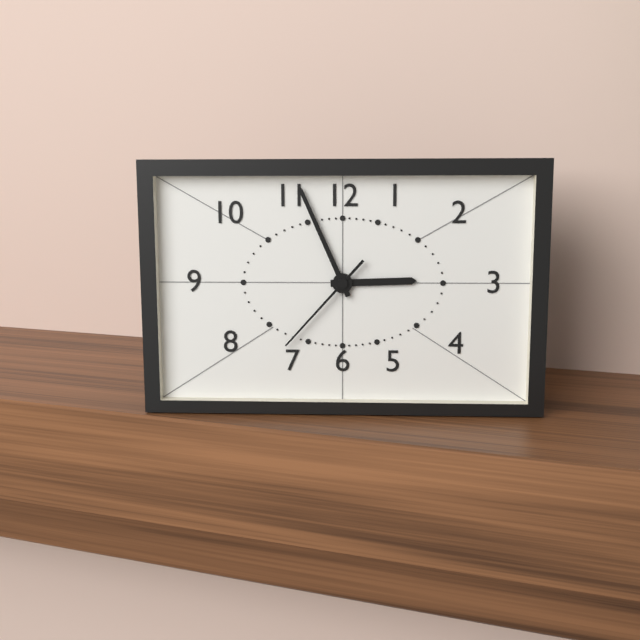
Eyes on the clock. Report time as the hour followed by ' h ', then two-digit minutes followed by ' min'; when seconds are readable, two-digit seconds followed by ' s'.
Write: 2 h 56 min 37 s
